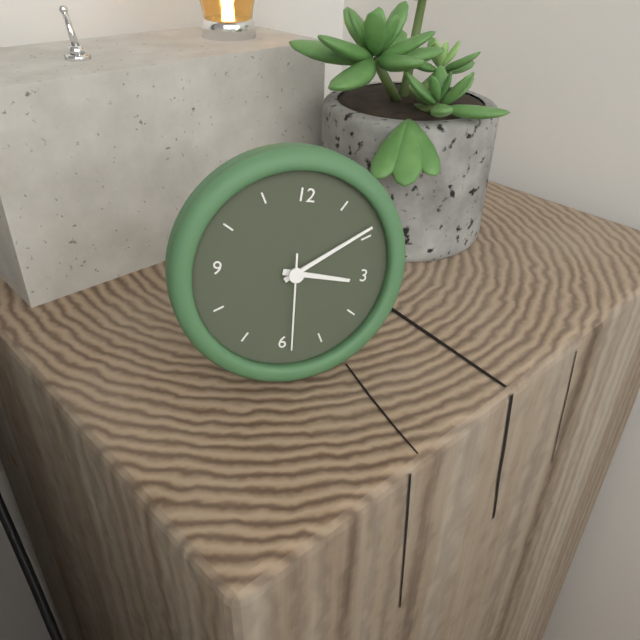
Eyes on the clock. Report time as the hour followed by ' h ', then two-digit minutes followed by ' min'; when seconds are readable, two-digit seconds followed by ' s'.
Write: 3 h 09 min 29 s
